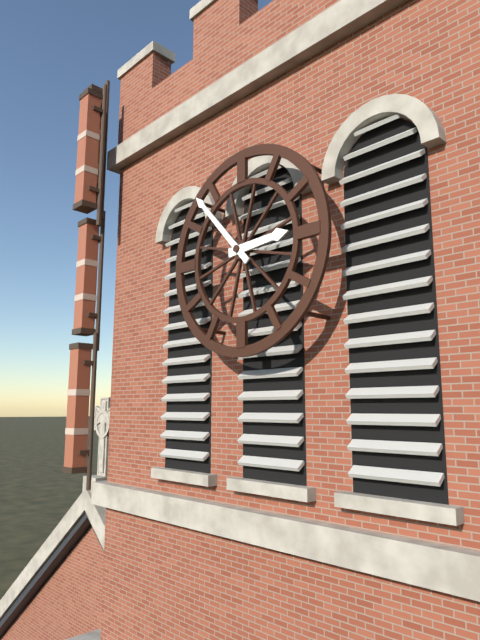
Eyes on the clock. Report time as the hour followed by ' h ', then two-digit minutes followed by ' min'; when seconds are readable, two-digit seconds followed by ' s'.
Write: 2 h 53 min
